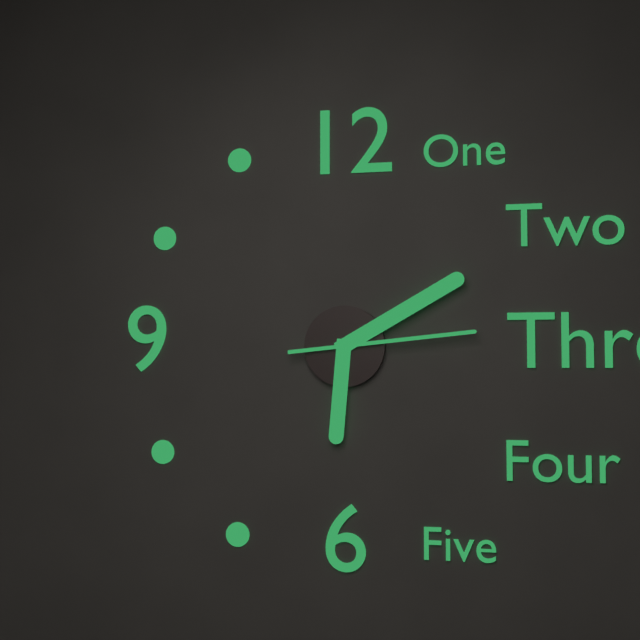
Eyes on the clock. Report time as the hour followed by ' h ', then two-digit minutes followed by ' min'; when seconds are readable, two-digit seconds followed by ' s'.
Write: 6 h 10 min 14 s
